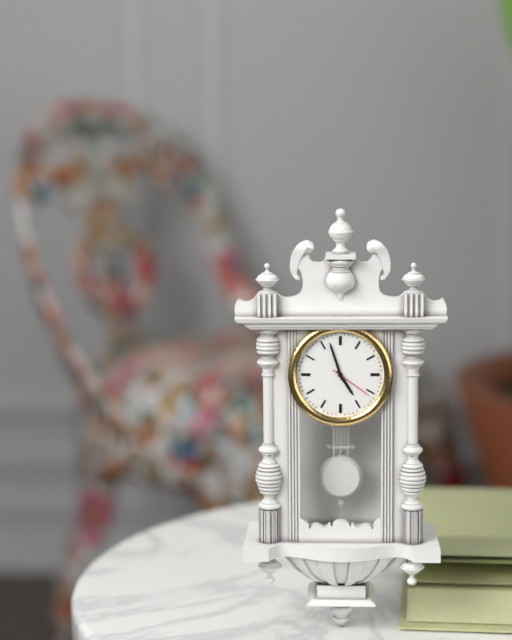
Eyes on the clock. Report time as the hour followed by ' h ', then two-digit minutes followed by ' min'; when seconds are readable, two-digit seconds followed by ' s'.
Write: 4 h 57 min
